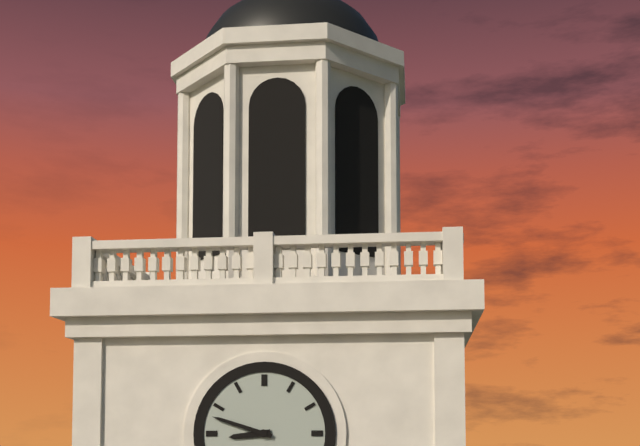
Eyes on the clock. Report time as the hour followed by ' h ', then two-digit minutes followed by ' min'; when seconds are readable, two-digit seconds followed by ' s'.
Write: 8 h 48 min
